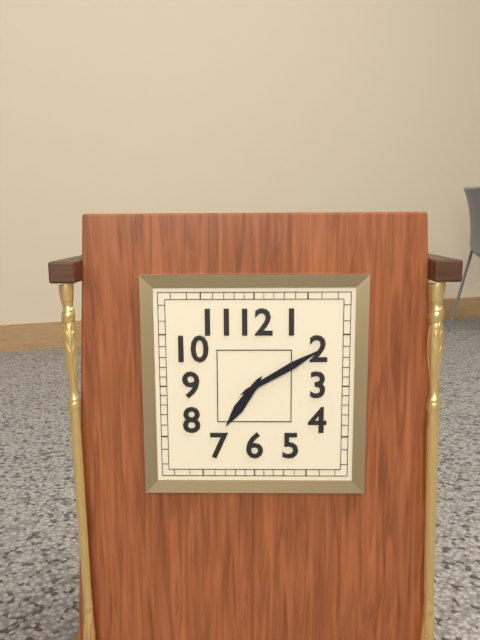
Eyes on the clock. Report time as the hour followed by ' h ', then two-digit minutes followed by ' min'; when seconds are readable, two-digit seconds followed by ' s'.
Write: 7 h 10 min
